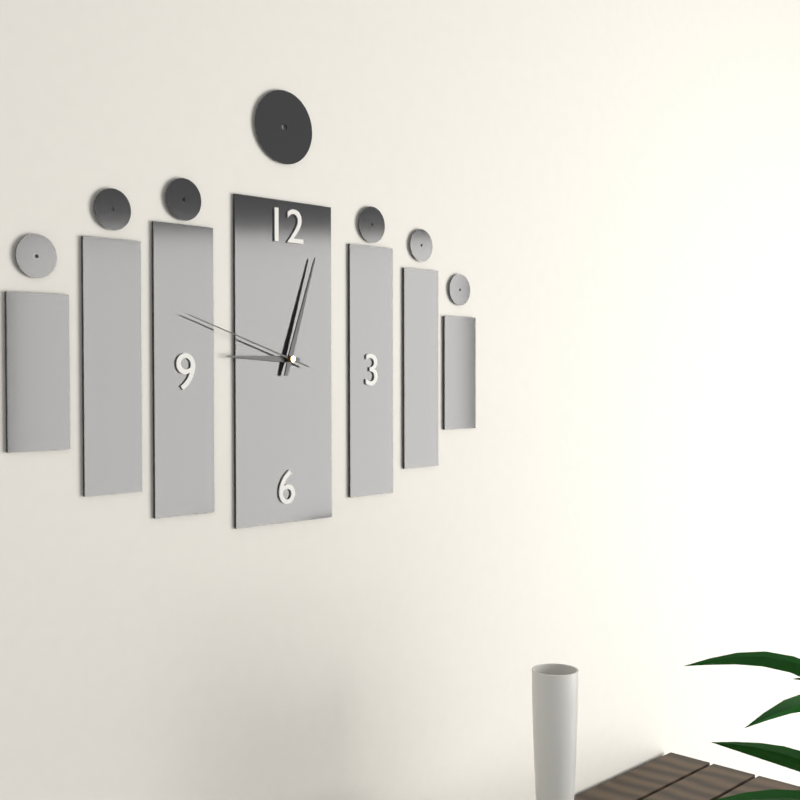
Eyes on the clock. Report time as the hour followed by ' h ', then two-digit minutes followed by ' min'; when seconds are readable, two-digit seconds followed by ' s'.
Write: 9 h 03 min 48 s
